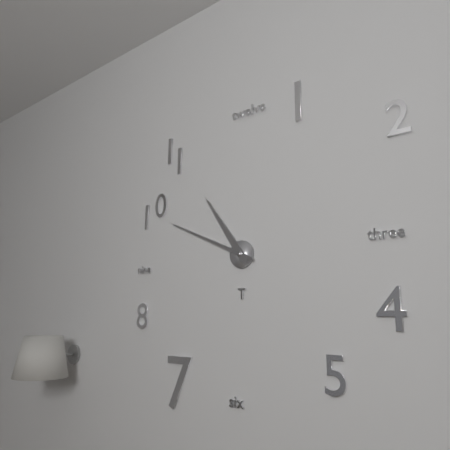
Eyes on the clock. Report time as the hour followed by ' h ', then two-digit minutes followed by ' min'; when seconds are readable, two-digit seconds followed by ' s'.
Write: 10 h 49 min
